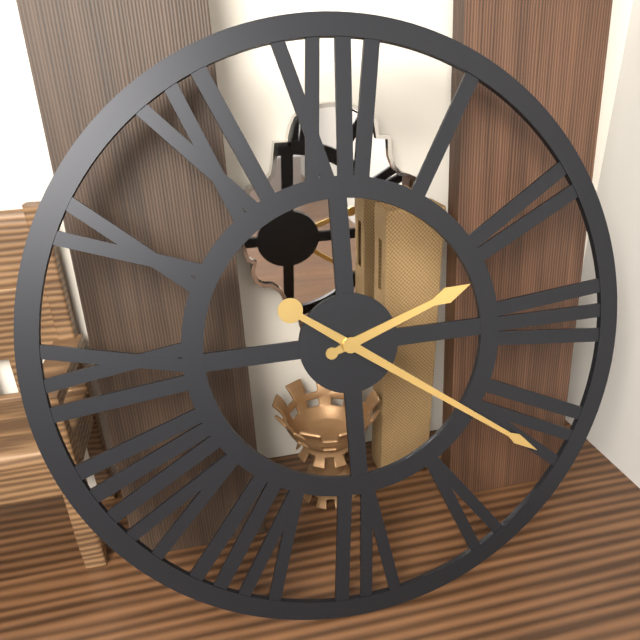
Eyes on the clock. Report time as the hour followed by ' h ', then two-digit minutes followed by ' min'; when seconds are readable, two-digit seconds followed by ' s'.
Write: 2 h 21 min
